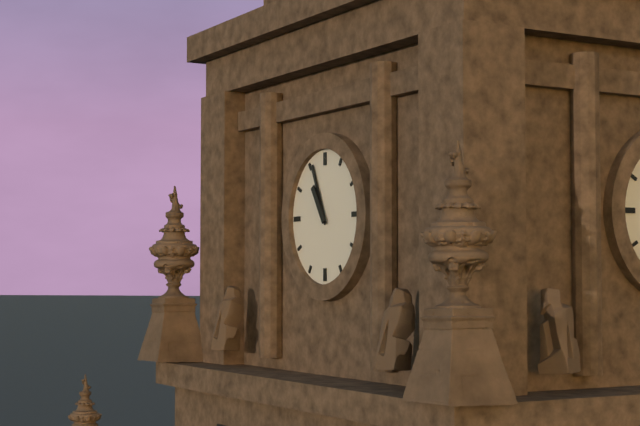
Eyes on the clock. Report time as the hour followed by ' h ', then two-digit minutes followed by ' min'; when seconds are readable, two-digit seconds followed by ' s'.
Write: 10 h 56 min
